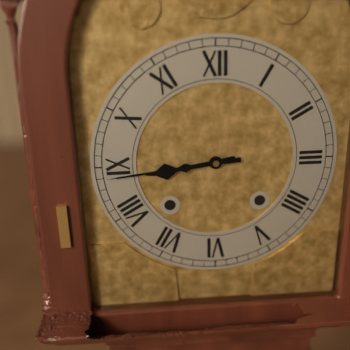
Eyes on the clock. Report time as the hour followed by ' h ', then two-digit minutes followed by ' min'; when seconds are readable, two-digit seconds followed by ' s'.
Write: 8 h 44 min
